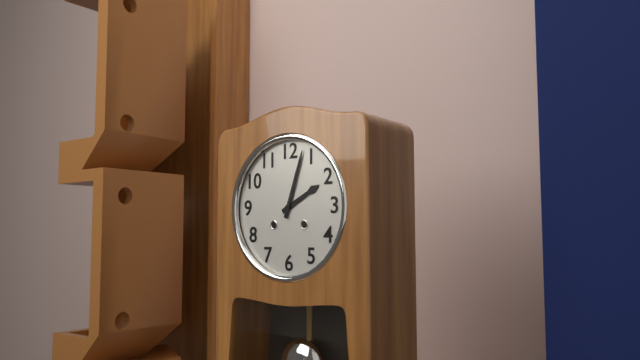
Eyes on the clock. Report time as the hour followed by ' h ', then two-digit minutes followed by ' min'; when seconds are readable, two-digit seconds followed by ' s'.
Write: 2 h 03 min
